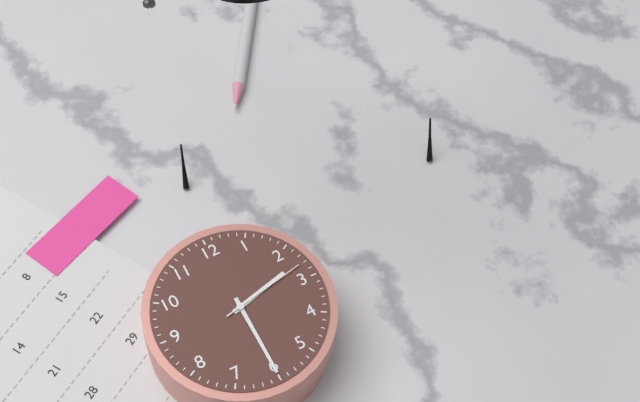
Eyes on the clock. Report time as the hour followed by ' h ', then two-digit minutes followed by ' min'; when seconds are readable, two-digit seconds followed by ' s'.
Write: 2 h 30 min 13 s
